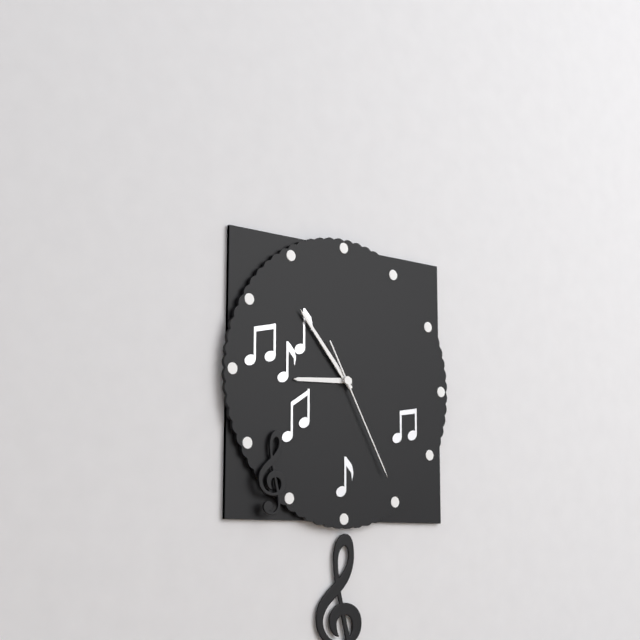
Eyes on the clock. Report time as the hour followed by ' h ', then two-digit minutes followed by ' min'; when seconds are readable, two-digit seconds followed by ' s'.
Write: 8 h 53 min 25 s
